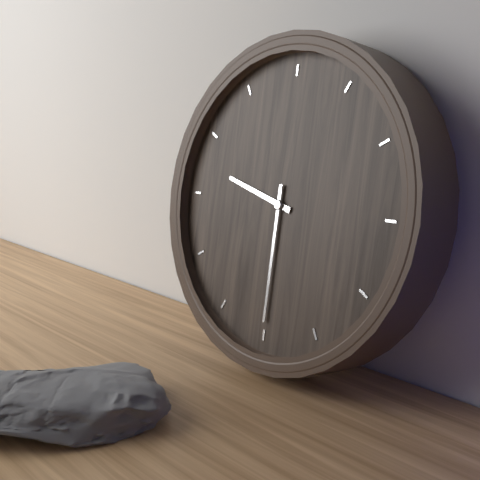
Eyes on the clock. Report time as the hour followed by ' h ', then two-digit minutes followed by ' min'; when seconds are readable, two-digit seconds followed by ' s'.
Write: 9 h 30 min
